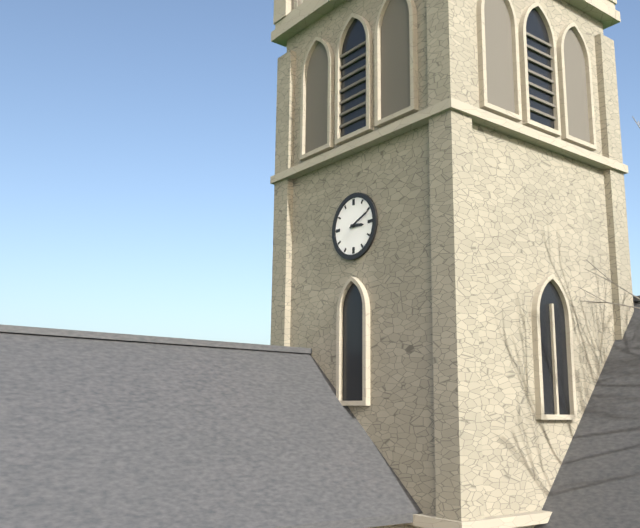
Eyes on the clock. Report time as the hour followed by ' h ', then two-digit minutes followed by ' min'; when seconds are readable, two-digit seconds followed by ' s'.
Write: 3 h 11 min
